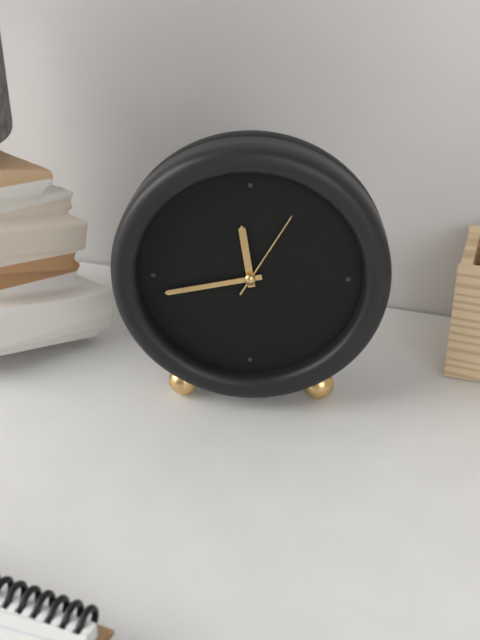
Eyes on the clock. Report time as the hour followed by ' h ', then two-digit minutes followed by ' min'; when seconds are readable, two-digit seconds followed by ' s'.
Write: 11 h 43 min 05 s
